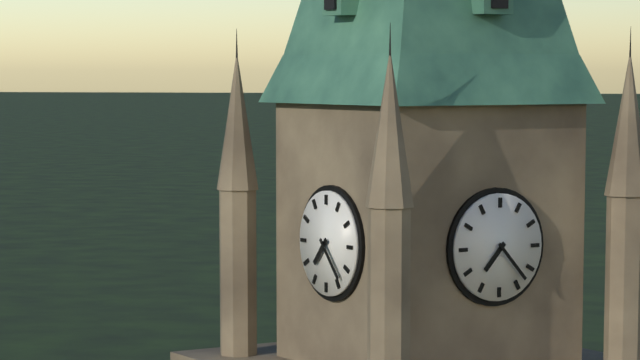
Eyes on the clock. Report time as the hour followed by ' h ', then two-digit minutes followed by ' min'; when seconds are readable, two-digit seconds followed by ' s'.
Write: 7 h 23 min
